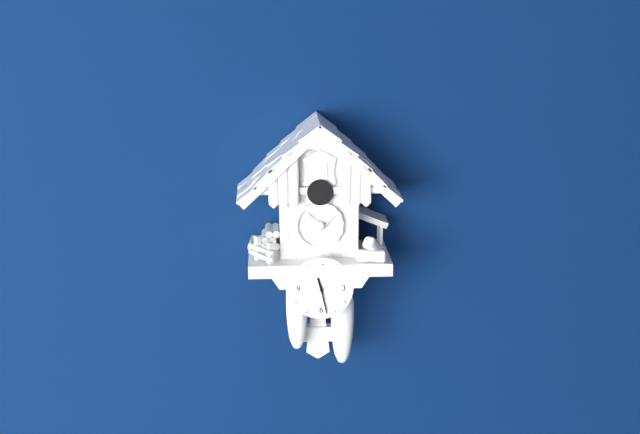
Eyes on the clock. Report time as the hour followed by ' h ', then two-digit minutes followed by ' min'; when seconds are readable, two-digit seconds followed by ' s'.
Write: 11 h 28 min
